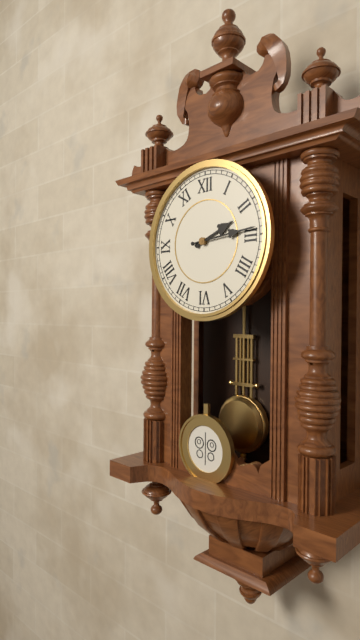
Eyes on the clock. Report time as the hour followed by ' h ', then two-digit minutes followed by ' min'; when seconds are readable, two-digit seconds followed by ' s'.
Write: 2 h 14 min
